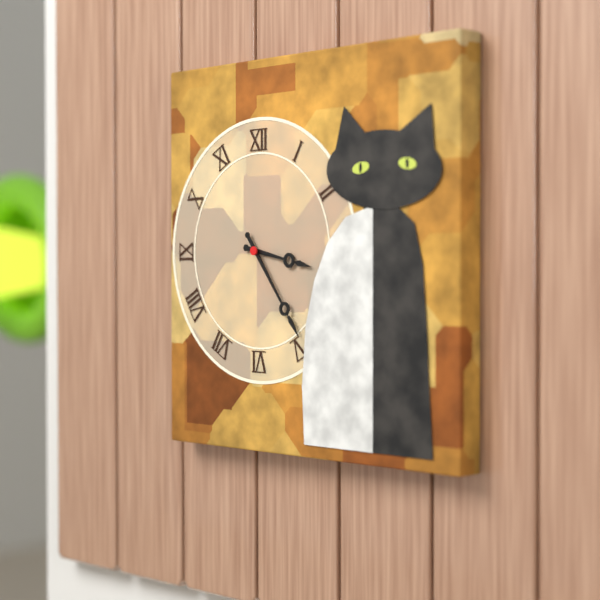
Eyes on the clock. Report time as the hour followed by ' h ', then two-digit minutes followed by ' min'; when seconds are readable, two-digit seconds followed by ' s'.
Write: 3 h 24 min
